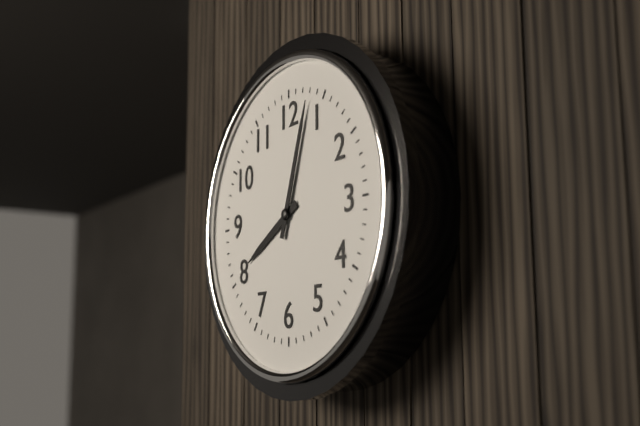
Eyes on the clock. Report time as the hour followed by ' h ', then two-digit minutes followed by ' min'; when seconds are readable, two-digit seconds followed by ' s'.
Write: 8 h 03 min
